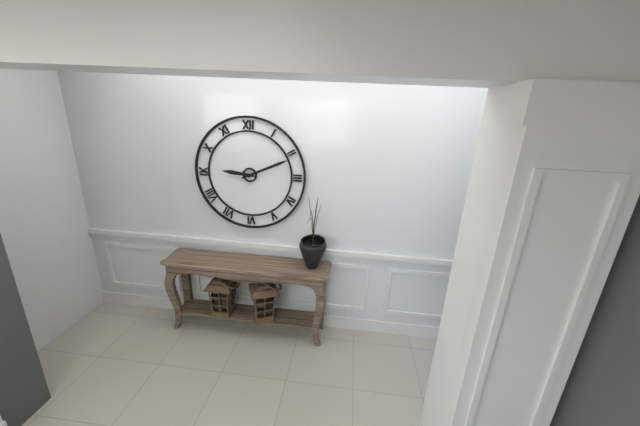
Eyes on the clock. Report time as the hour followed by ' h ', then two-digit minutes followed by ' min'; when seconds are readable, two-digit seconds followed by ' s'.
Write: 9 h 11 min
